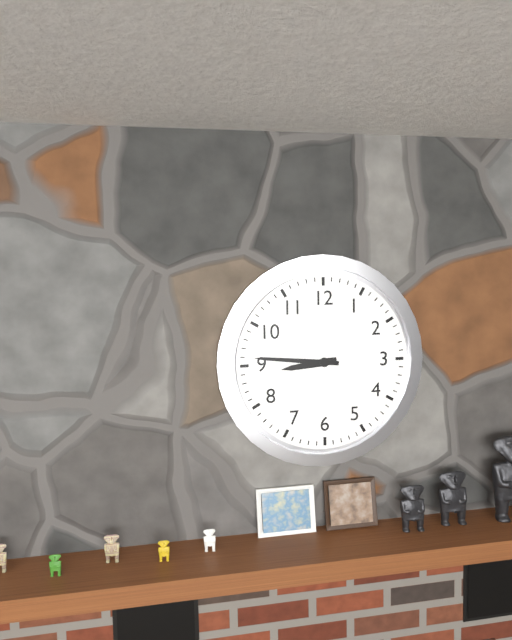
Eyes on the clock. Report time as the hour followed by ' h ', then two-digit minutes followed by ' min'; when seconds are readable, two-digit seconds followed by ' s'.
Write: 8 h 46 min
